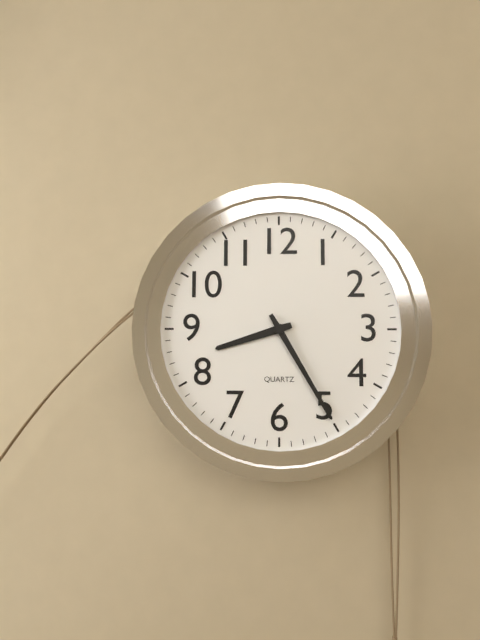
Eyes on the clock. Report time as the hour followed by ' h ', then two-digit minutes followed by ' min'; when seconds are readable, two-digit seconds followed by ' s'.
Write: 8 h 25 min
